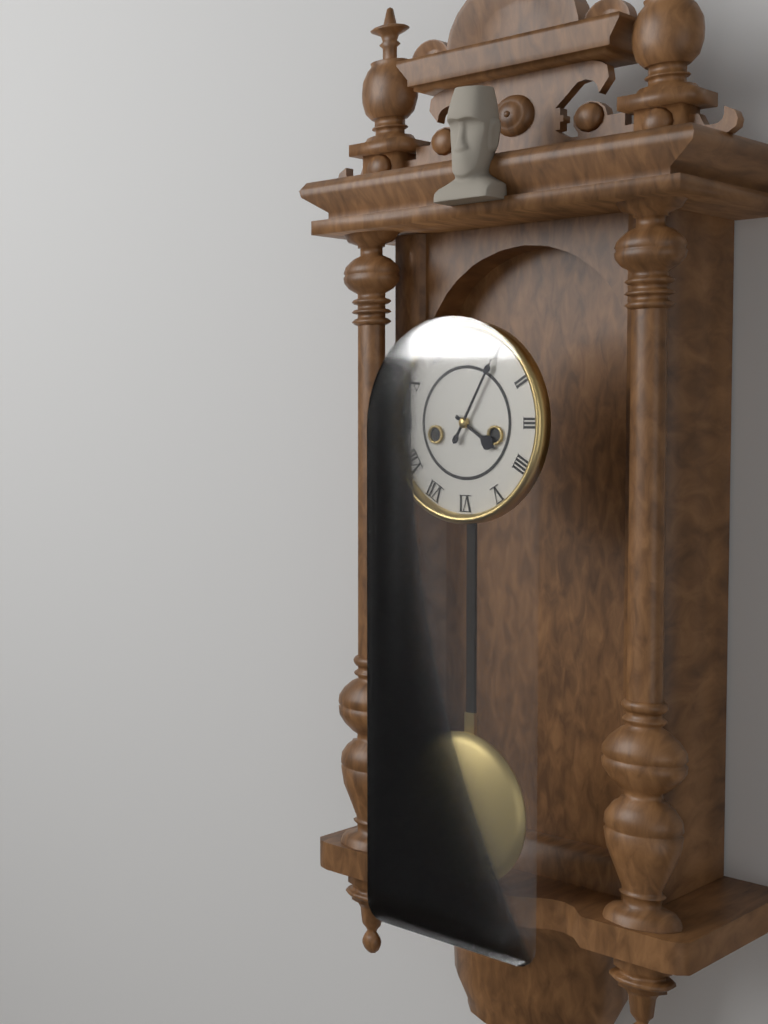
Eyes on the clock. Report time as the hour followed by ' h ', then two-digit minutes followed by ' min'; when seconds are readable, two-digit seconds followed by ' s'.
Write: 4 h 05 min
